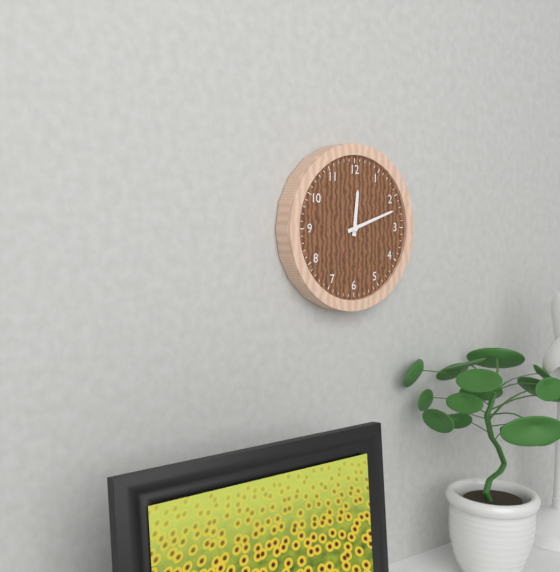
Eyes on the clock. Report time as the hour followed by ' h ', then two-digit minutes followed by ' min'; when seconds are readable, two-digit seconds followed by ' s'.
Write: 12 h 12 min
